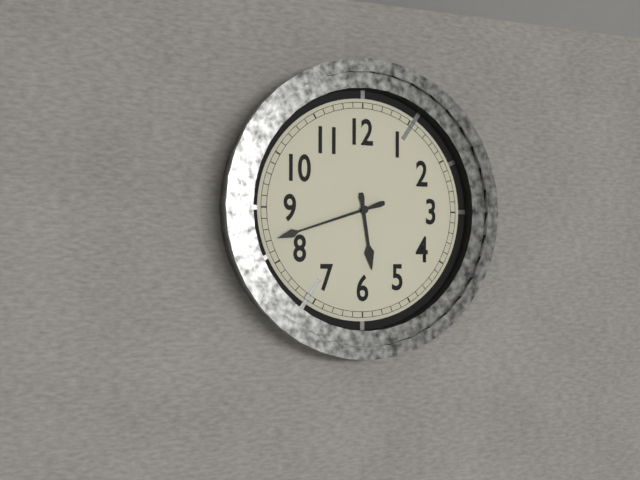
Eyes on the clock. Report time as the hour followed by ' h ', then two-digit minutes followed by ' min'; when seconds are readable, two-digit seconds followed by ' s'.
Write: 5 h 42 min
